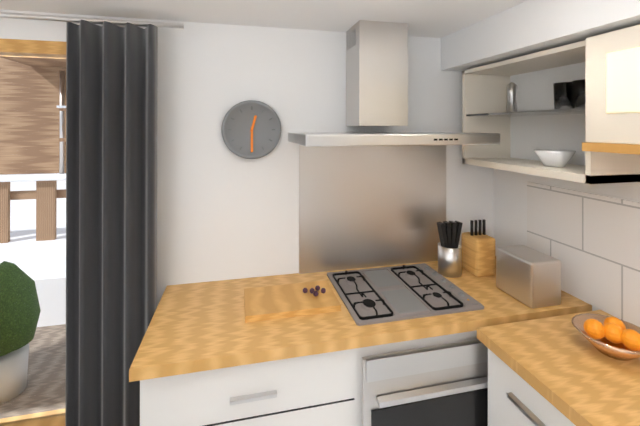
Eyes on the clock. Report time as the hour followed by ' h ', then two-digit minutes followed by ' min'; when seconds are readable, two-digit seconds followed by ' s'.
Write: 12 h 30 min
